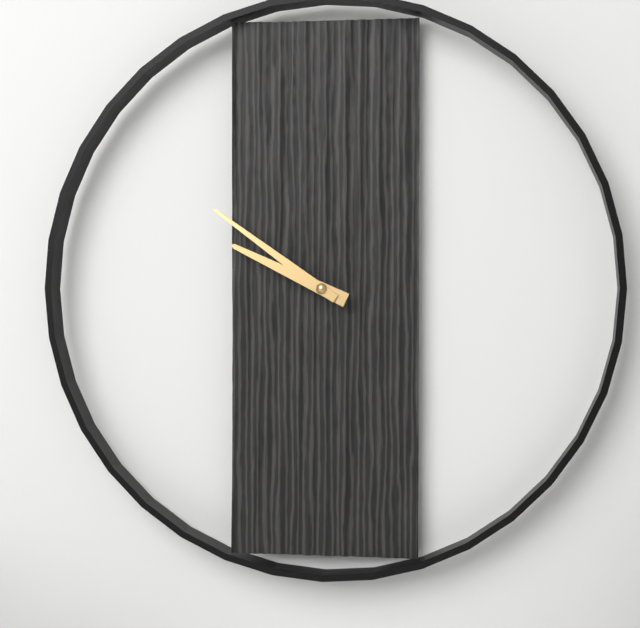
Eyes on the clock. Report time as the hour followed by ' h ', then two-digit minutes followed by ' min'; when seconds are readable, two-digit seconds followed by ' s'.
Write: 9 h 51 min
